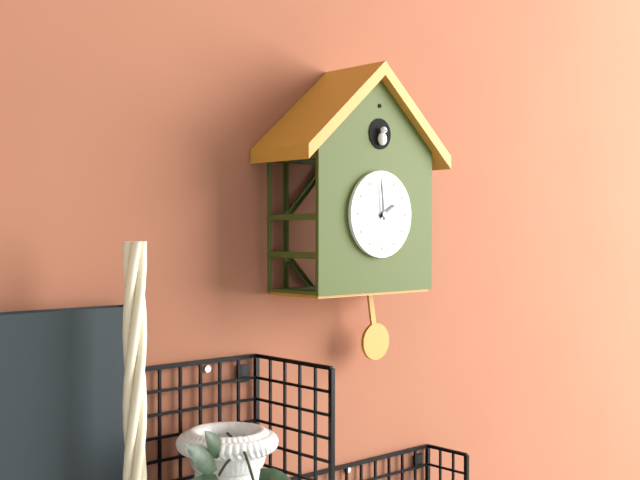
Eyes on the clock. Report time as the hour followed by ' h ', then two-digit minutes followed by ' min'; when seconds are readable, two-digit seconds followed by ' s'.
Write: 1 h 59 min
